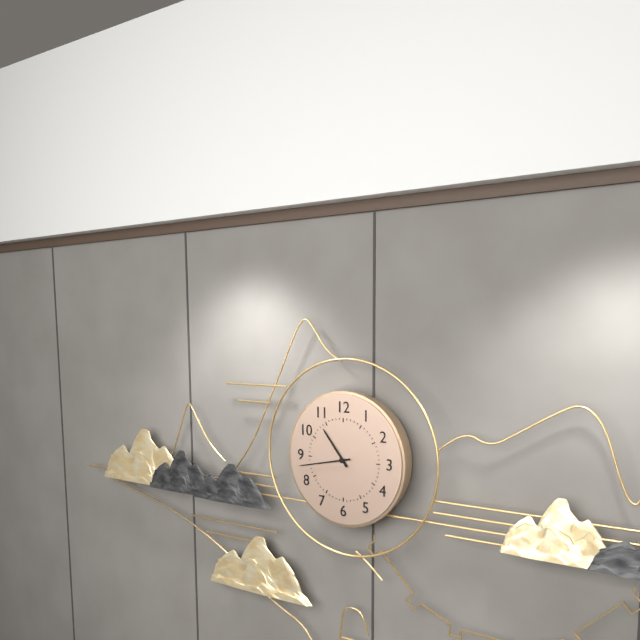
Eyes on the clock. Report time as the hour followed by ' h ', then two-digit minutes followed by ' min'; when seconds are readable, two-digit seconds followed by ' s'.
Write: 10 h 43 min
